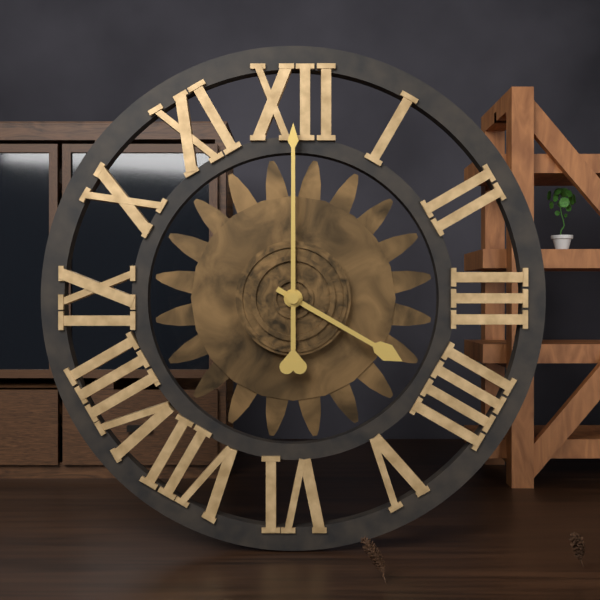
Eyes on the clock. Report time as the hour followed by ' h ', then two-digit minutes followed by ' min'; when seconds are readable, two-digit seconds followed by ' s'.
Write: 4 h 00 min
